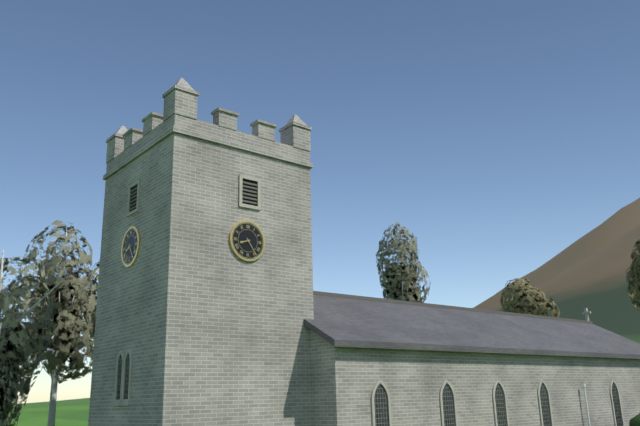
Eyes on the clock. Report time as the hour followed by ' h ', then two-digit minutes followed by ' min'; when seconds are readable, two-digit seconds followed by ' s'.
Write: 8 h 24 min
